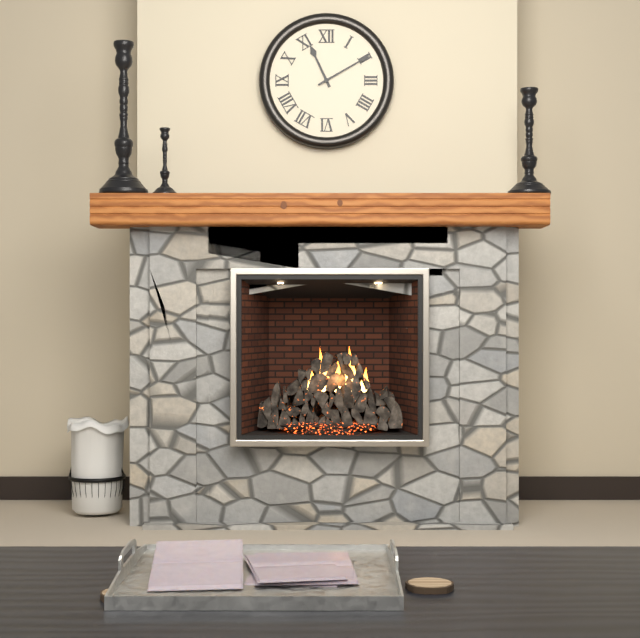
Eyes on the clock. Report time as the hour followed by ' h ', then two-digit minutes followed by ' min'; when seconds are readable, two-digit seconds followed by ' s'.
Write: 11 h 10 min
